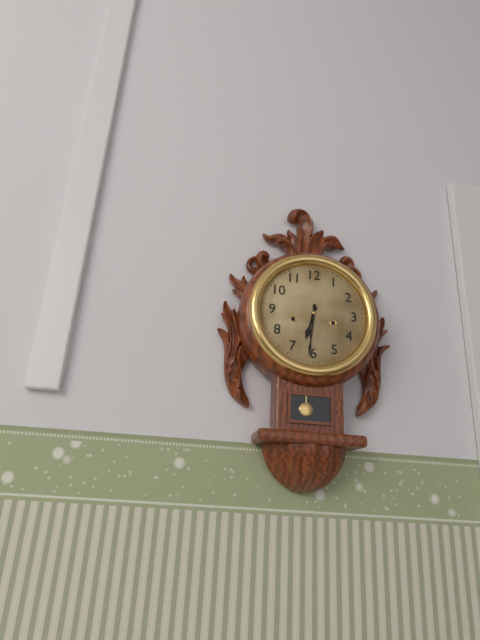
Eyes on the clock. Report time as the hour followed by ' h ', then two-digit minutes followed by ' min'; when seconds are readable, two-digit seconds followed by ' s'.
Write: 6 h 31 min
